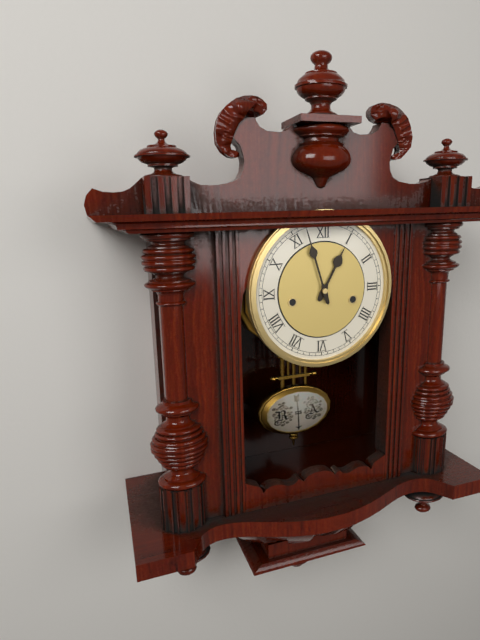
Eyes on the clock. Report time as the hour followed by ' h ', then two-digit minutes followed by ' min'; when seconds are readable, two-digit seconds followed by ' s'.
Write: 12 h 57 min
